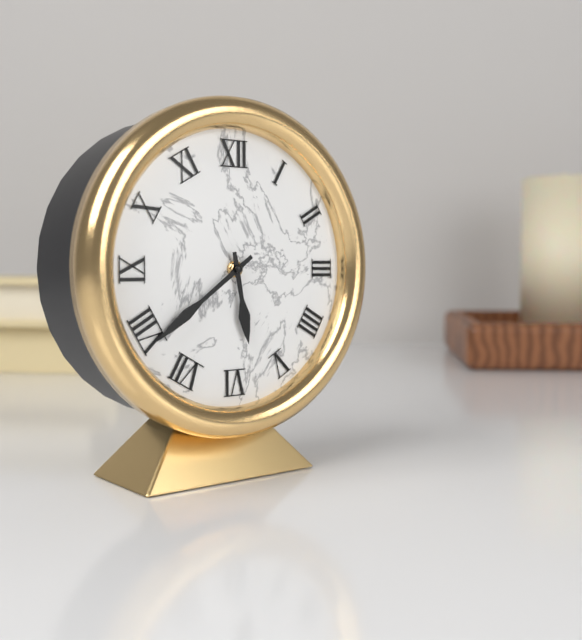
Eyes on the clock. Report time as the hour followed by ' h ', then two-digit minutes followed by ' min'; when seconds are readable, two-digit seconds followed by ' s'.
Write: 5 h 39 min
